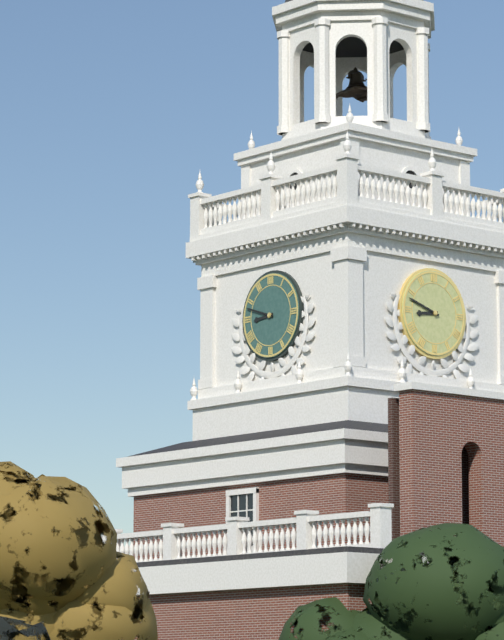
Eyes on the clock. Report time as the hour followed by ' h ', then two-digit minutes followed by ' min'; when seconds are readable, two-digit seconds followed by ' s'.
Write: 8 h 48 min
